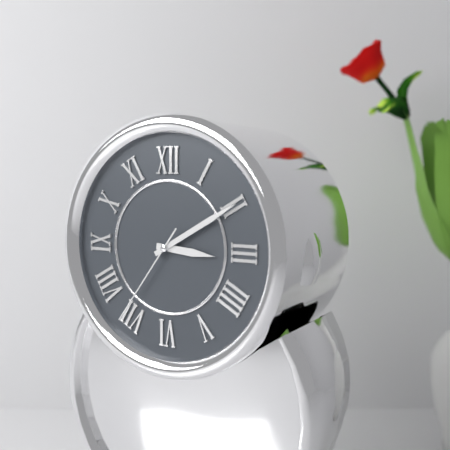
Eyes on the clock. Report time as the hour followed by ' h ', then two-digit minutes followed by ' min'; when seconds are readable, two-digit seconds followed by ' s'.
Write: 3 h 10 min 36 s
